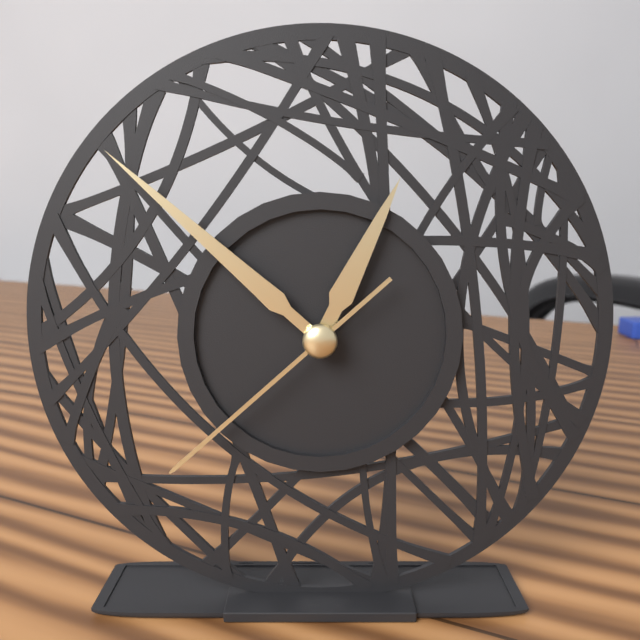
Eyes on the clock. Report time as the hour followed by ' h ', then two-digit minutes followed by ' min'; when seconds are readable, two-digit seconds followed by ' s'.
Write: 12 h 52 min 38 s
